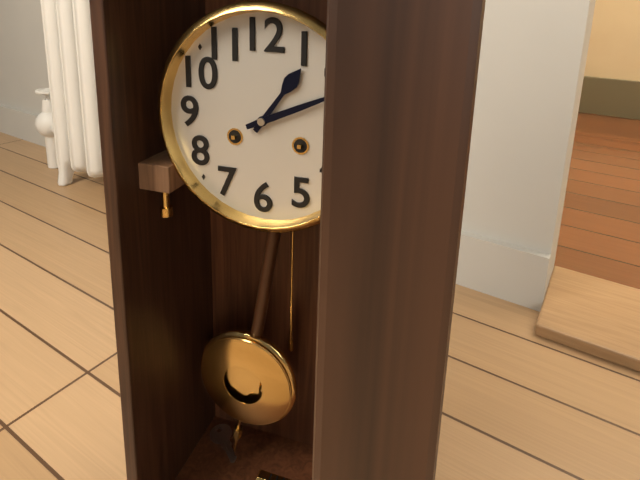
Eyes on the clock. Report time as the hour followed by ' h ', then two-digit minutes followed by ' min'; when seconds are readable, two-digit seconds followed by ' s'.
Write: 1 h 11 min
